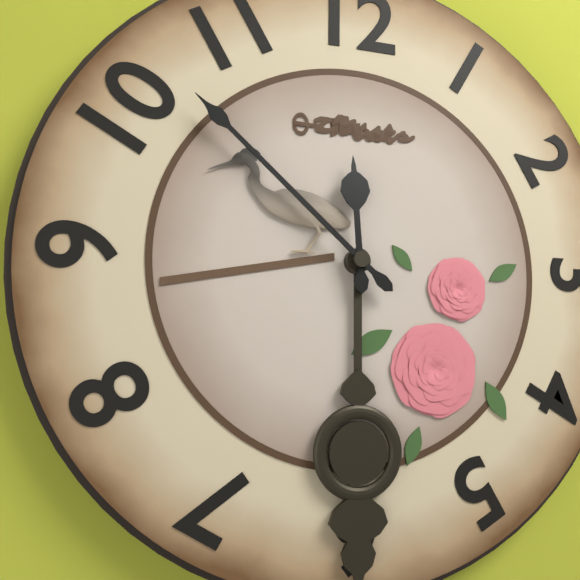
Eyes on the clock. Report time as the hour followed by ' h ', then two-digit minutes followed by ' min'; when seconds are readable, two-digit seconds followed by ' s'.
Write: 11 h 52 min
